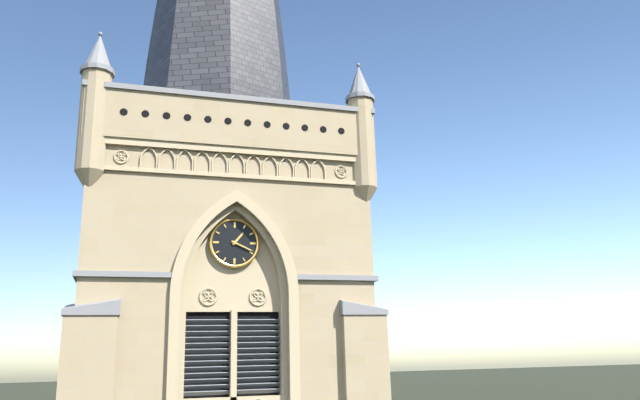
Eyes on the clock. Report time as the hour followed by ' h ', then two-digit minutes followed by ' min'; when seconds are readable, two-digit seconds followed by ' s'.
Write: 1 h 19 min
